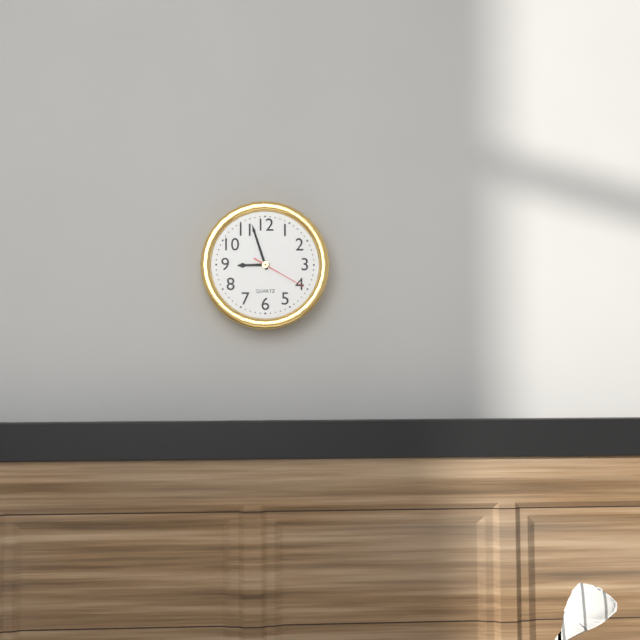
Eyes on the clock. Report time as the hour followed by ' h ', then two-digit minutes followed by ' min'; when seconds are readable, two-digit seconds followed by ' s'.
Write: 8 h 57 min 20 s
